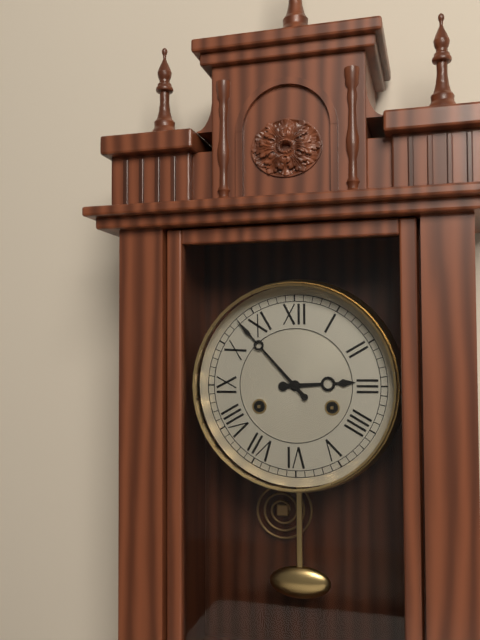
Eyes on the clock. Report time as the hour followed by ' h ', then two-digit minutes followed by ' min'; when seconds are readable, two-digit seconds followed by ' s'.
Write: 2 h 53 min
